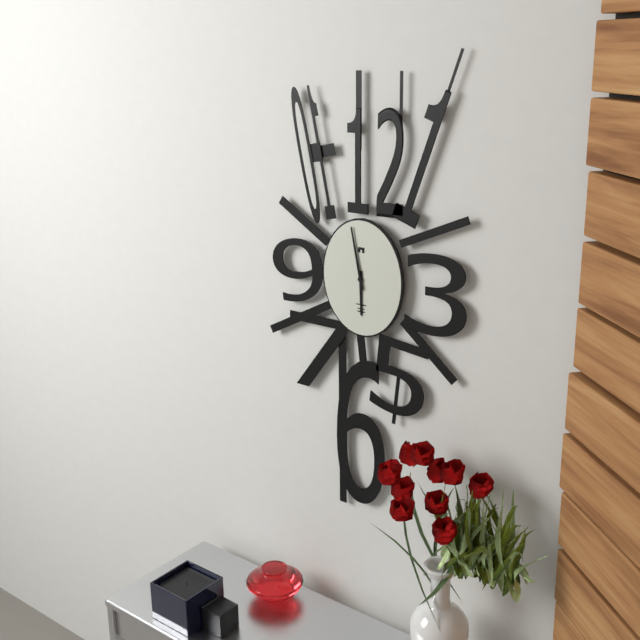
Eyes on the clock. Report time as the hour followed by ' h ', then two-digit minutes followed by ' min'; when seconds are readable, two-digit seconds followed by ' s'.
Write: 5 h 58 min
